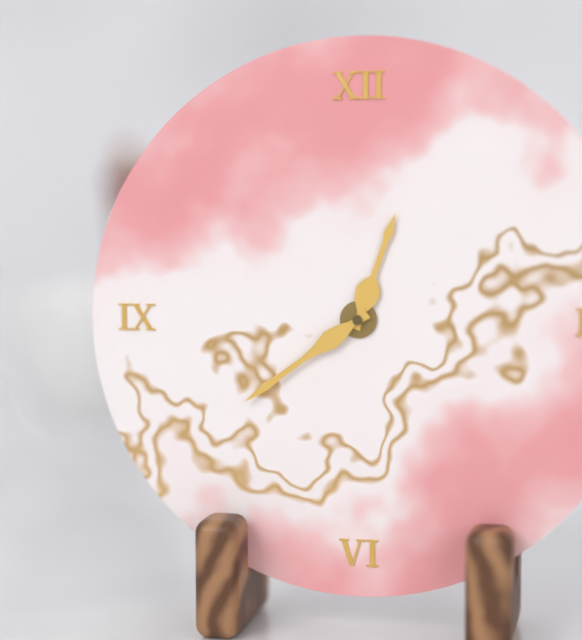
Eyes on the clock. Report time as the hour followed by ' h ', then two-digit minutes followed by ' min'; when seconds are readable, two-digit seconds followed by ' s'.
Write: 12 h 39 min
